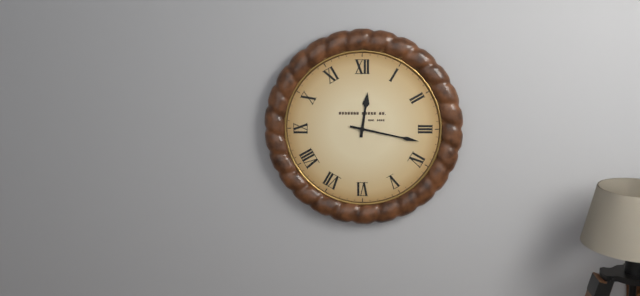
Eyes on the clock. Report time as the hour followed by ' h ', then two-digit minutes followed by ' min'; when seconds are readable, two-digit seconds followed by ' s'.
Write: 12 h 17 min
